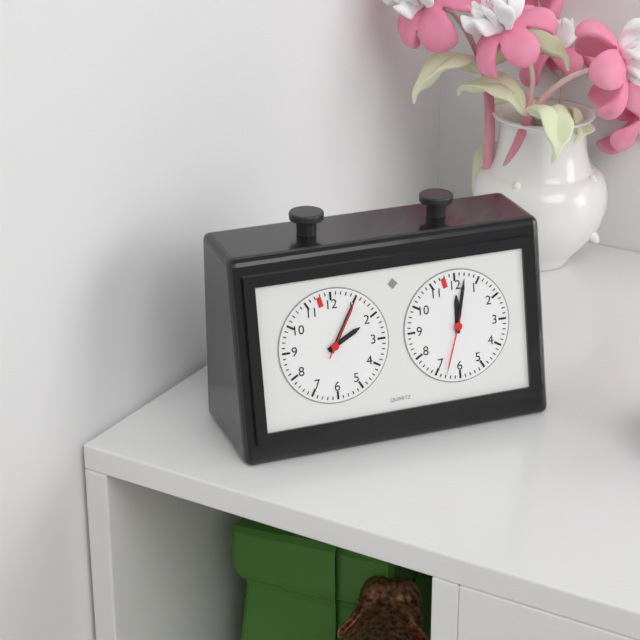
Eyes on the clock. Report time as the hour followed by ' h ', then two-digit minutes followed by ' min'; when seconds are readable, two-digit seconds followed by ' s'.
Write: 2 h 05 min 05 s
